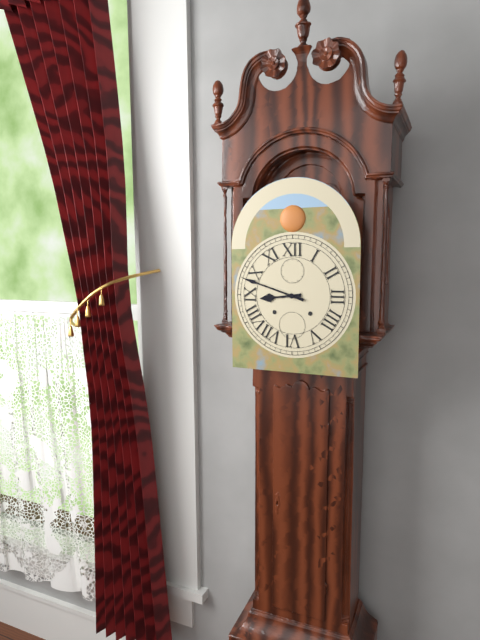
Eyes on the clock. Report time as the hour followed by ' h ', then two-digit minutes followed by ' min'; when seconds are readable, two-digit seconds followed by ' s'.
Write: 8 h 48 min
